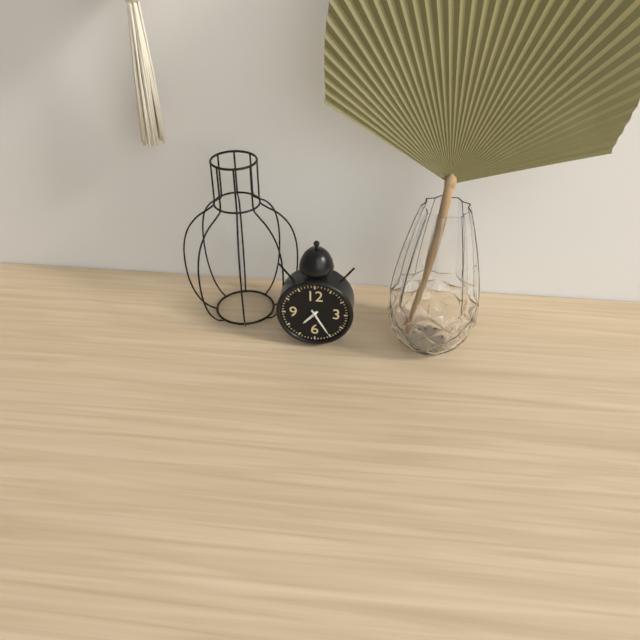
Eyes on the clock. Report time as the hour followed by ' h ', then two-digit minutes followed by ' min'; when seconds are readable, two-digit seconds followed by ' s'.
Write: 7 h 25 min
